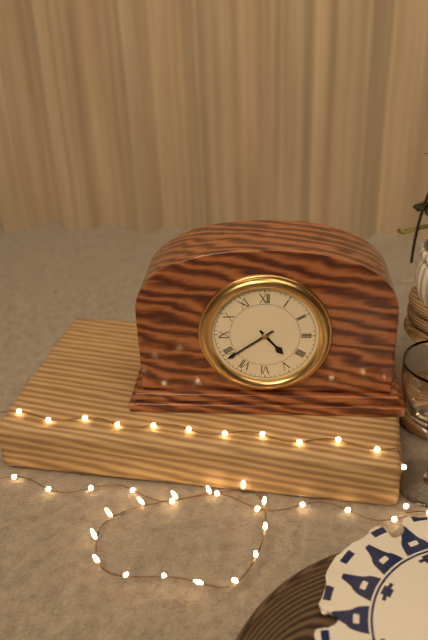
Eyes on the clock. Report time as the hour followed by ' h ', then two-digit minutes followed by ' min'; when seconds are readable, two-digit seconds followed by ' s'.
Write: 4 h 39 min
